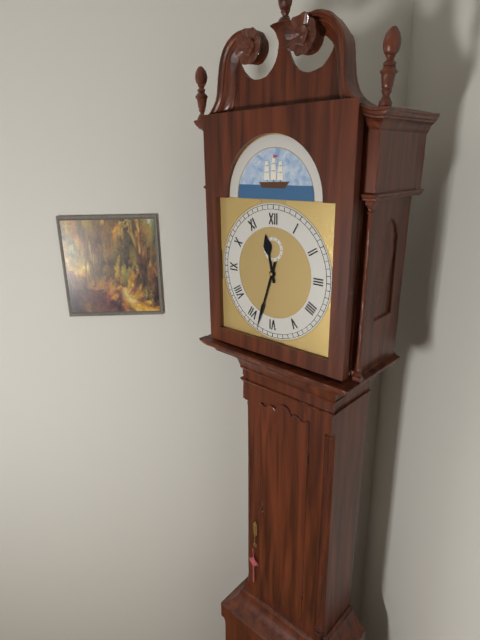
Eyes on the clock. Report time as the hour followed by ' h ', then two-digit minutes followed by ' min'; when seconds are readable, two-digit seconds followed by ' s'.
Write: 11 h 33 min
